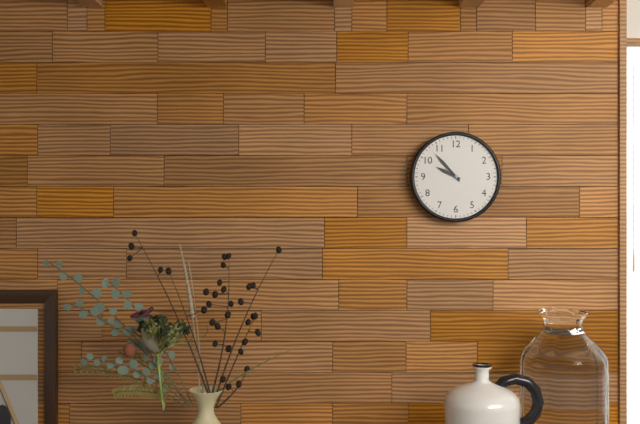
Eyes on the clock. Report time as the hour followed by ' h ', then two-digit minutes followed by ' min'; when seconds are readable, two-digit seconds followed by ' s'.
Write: 9 h 53 min
